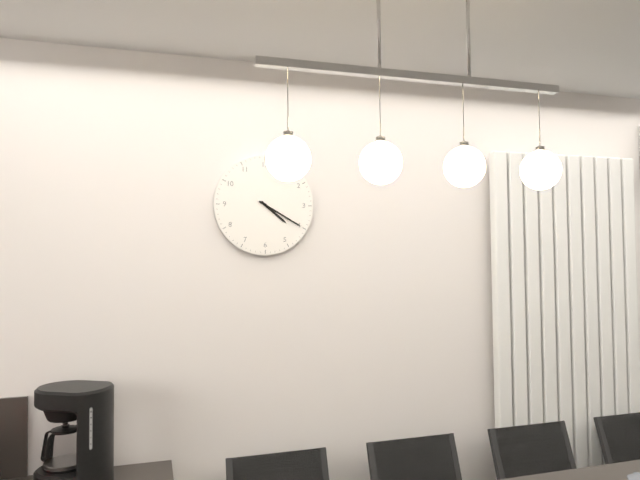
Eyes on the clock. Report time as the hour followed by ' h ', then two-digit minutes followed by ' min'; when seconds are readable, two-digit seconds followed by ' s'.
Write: 4 h 20 min
